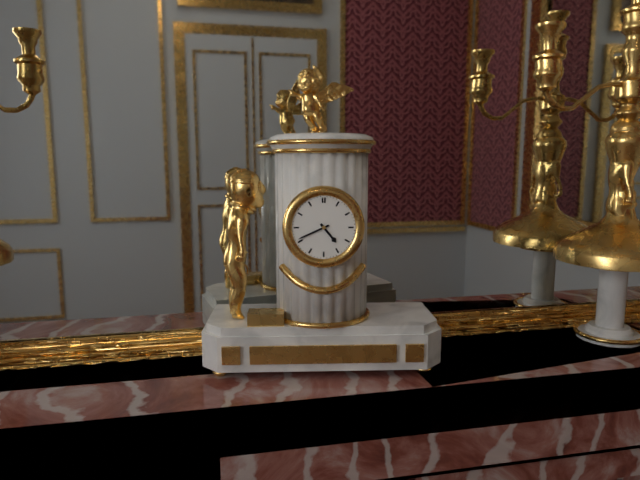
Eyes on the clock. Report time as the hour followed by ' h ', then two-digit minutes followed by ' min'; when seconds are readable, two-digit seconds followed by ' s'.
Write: 4 h 41 min
